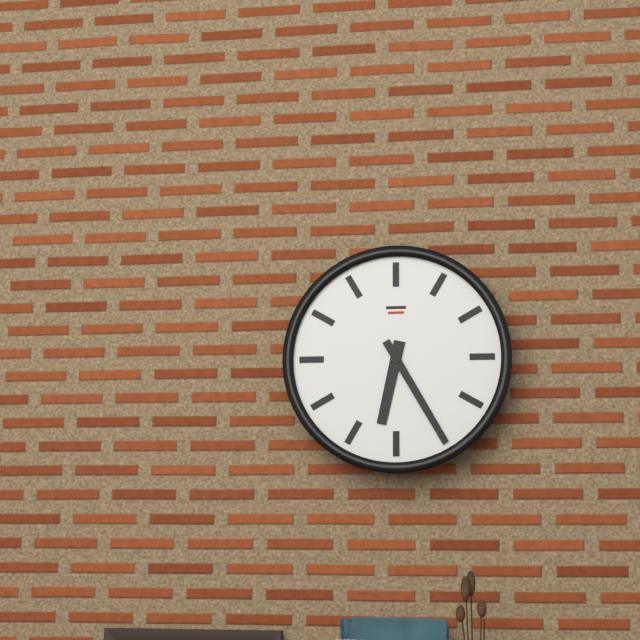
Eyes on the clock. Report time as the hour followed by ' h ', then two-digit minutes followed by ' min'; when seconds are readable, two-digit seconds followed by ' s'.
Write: 6 h 25 min
